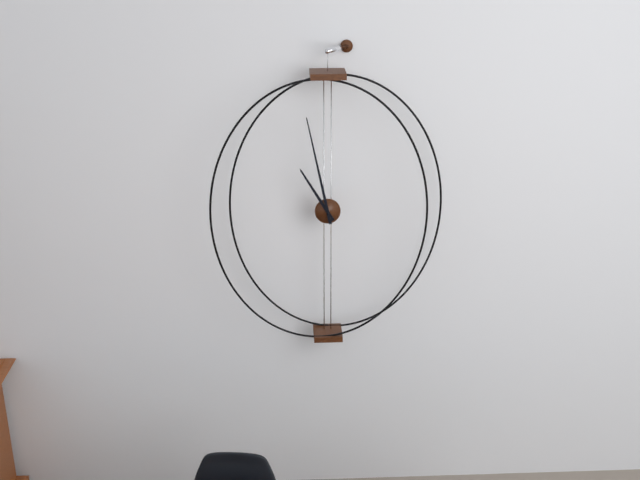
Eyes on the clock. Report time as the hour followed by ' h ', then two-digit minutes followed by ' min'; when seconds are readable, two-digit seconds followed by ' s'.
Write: 10 h 58 min
